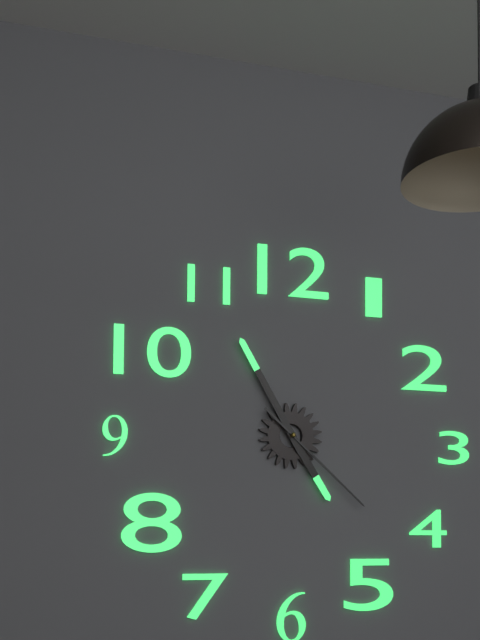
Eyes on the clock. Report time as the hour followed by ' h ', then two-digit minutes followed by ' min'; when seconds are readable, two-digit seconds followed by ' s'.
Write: 4 h 55 min 22 s
